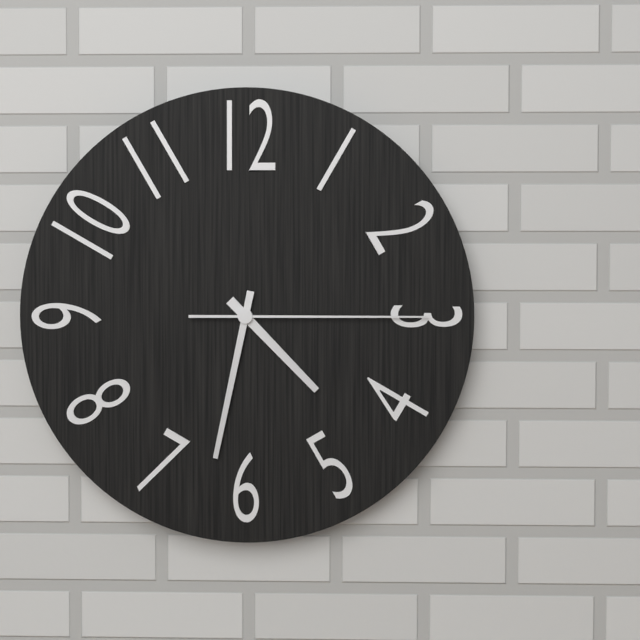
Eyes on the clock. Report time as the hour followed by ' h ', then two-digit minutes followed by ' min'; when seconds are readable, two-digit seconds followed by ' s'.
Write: 4 h 32 min 15 s
